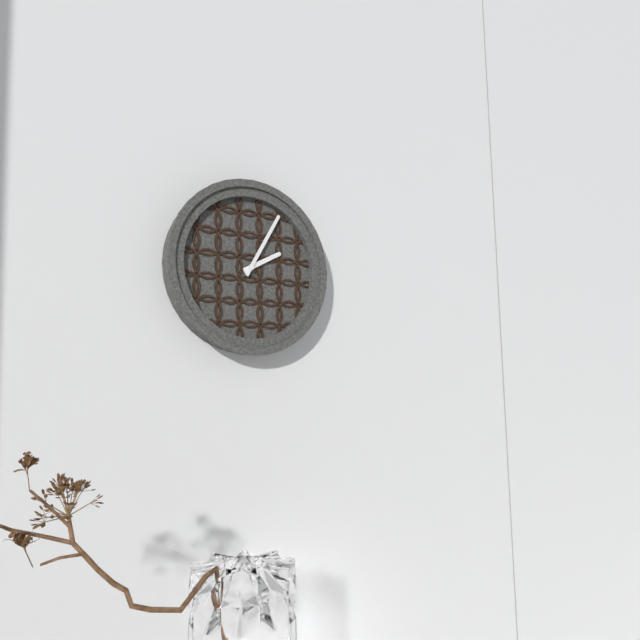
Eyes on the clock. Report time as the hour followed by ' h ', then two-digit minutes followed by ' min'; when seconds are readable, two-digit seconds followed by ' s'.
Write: 2 h 05 min
